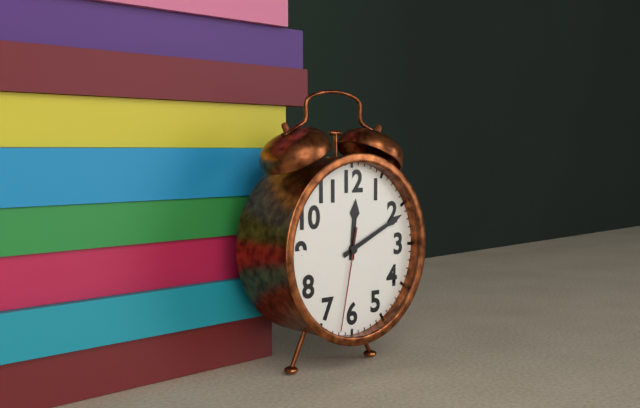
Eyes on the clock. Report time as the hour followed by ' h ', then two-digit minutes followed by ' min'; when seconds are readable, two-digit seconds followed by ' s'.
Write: 12 h 11 min 32 s
